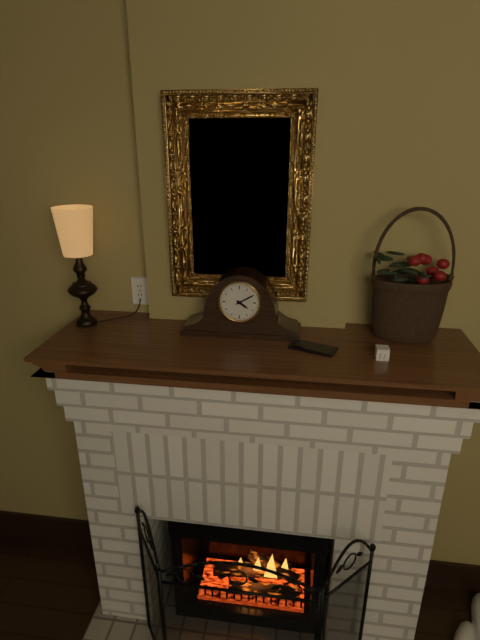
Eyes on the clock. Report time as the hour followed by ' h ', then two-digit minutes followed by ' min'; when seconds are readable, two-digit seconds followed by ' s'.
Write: 4 h 10 min
